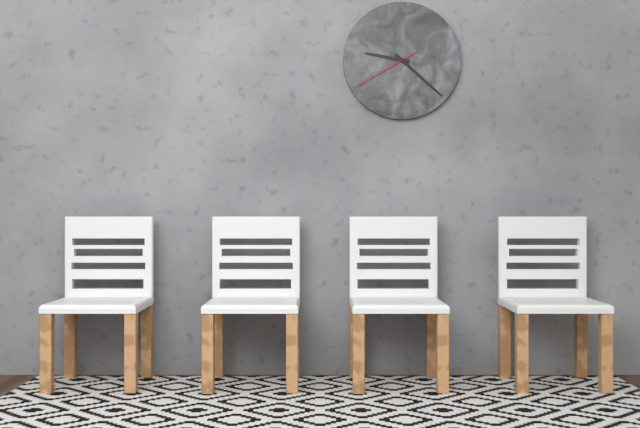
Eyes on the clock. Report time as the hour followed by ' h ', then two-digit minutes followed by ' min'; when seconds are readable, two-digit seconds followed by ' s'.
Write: 9 h 22 min 40 s
